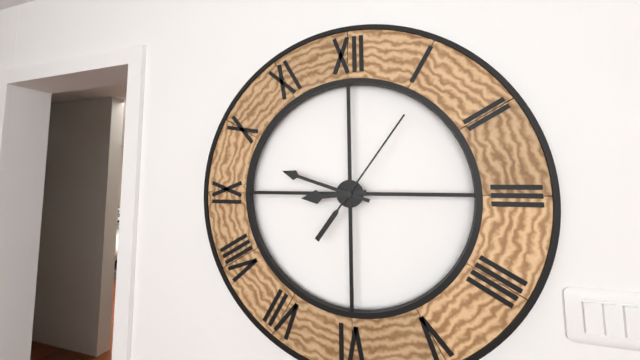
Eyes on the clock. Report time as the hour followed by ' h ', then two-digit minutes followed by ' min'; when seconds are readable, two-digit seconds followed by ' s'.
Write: 8 h 48 min 06 s
